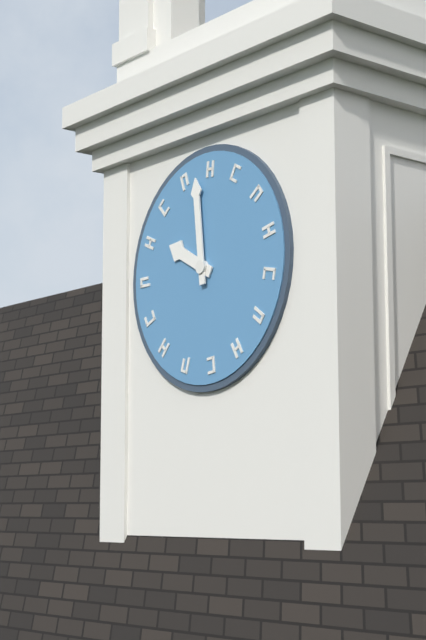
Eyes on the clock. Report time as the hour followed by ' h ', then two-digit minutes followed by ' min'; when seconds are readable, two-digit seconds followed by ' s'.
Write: 9 h 59 min
